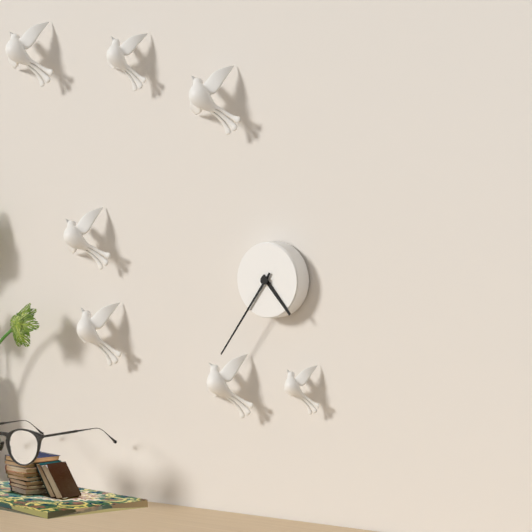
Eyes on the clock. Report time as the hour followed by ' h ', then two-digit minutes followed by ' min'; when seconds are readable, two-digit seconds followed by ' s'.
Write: 4 h 36 min
